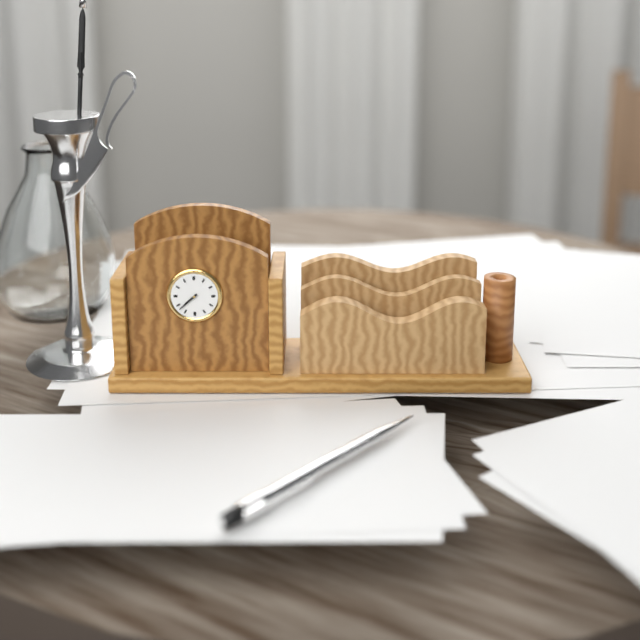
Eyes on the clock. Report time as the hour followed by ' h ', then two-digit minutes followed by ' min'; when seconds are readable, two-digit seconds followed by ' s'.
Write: 7 h 38 min
